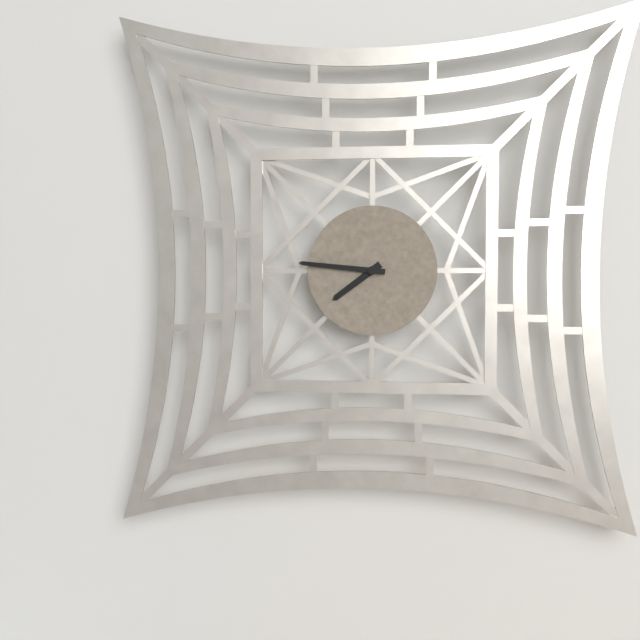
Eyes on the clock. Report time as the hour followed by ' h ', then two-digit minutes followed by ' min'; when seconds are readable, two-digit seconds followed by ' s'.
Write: 7 h 46 min
